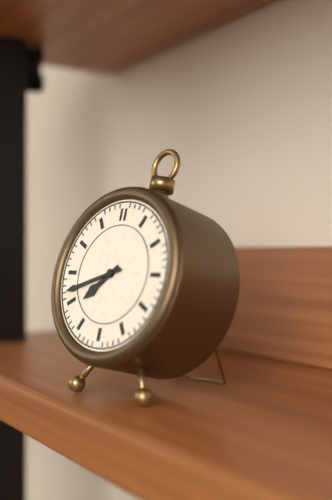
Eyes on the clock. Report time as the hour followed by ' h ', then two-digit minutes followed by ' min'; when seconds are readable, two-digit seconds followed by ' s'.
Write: 7 h 42 min
